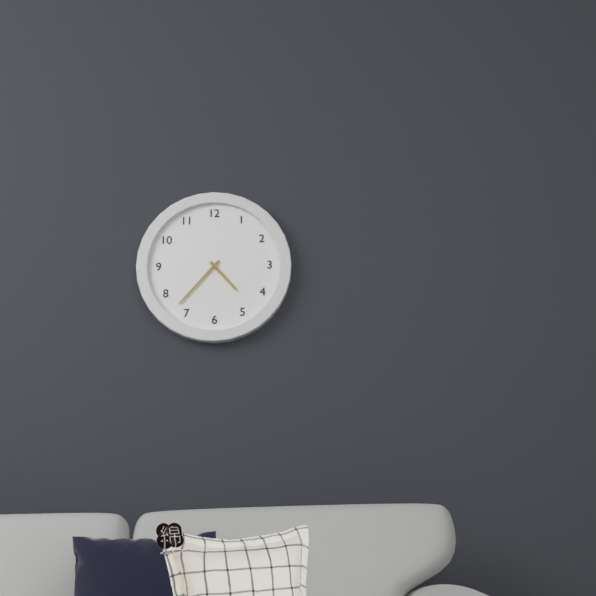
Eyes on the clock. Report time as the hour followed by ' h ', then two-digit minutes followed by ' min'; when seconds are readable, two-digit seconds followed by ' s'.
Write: 4 h 37 min
